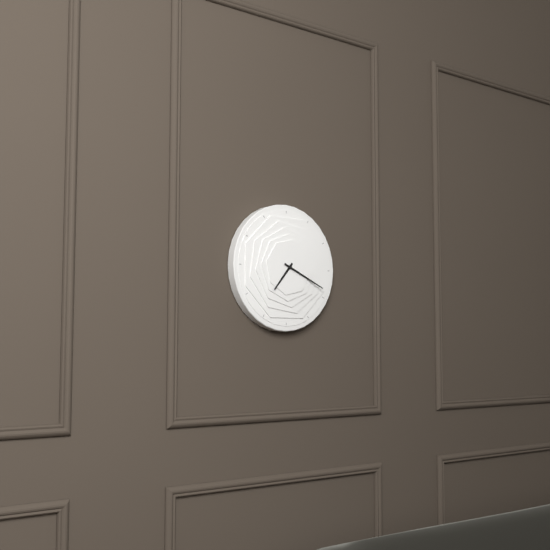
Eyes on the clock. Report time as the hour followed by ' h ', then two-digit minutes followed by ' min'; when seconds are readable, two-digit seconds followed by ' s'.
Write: 7 h 19 min
